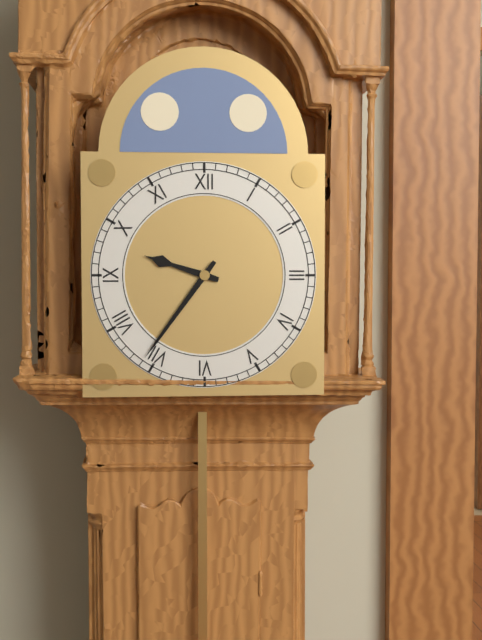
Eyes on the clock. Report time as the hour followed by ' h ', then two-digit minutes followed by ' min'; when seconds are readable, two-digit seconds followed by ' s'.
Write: 9 h 36 min
